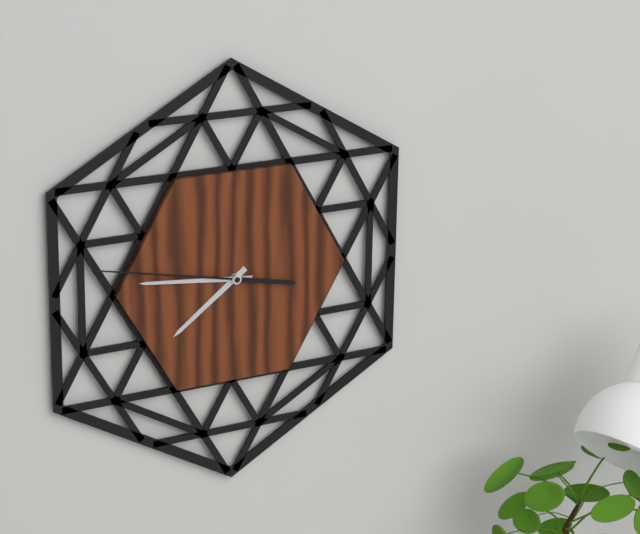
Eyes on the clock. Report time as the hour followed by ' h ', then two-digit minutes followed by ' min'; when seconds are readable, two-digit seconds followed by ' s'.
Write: 7 h 46 min 47 s
